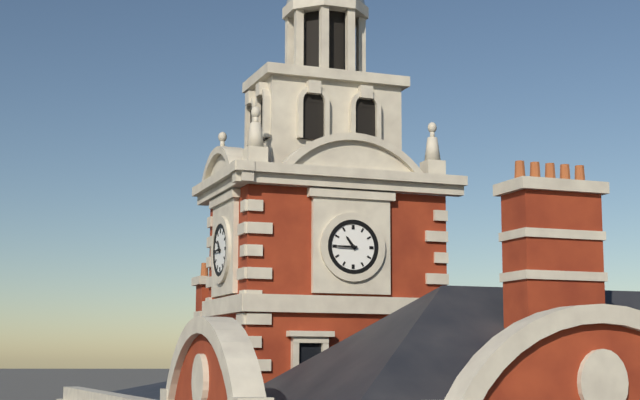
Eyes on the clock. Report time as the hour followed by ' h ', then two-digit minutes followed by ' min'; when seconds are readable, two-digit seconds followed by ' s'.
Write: 10 h 45 min
